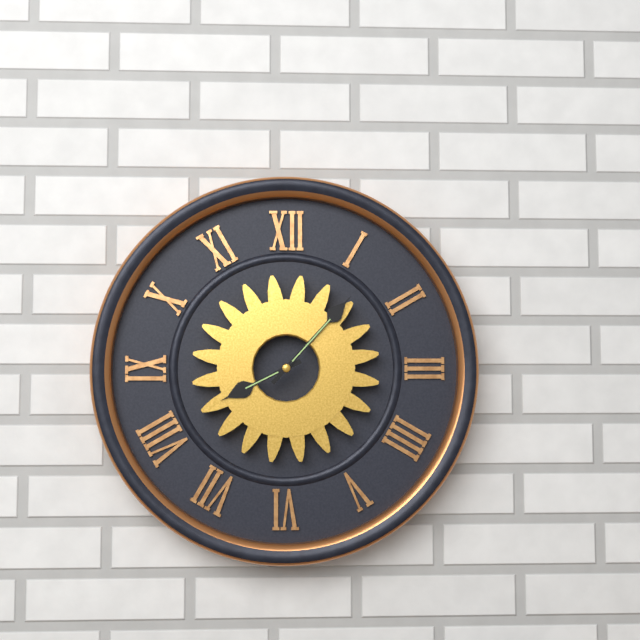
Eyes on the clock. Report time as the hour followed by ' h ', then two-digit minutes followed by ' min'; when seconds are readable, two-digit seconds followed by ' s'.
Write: 8 h 07 min
